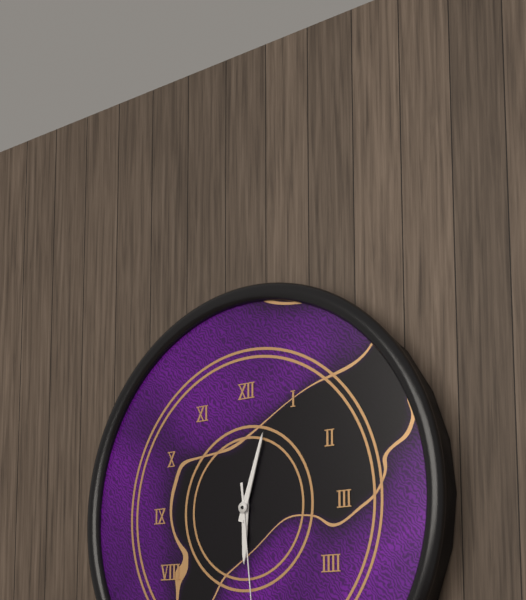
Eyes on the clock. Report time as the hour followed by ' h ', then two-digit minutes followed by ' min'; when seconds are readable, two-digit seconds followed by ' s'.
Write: 6 h 03 min
